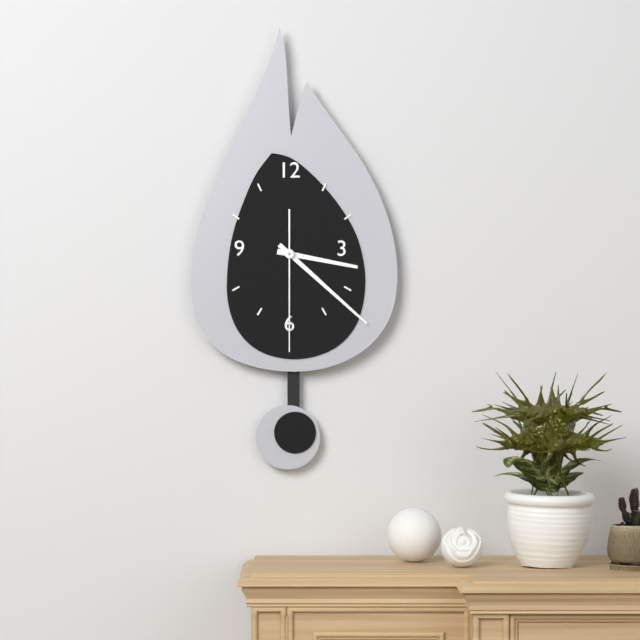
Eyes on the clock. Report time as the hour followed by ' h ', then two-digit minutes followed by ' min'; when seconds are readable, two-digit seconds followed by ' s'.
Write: 3 h 22 min 30 s
